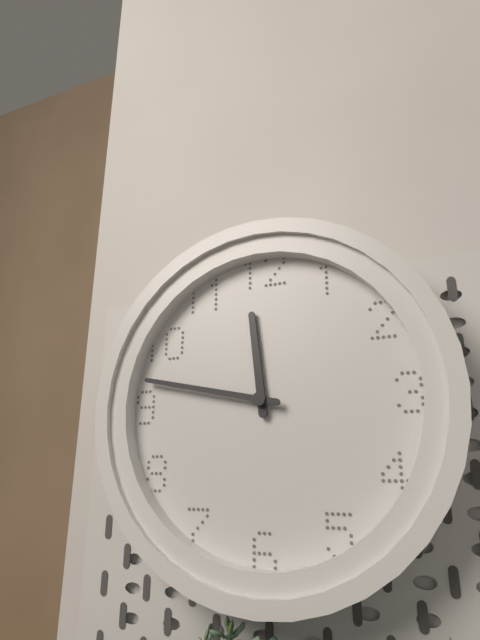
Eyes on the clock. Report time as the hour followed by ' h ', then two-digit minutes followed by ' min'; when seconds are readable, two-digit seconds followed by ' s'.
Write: 11 h 47 min
